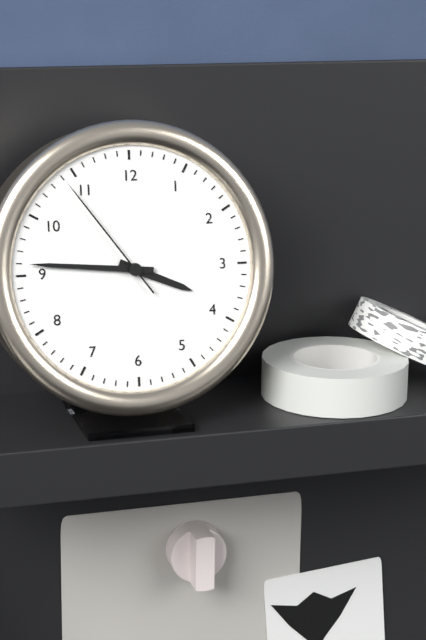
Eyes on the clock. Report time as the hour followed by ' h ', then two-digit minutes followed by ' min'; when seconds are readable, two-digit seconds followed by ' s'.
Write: 3 h 46 min 54 s
